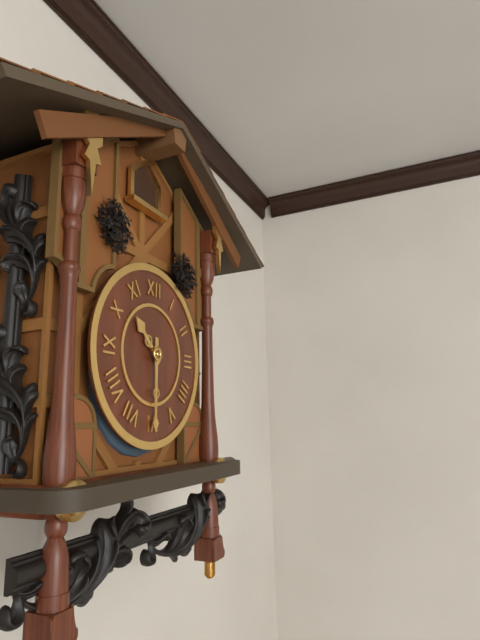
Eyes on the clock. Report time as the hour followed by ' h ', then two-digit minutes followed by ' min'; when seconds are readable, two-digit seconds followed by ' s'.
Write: 10 h 30 min
